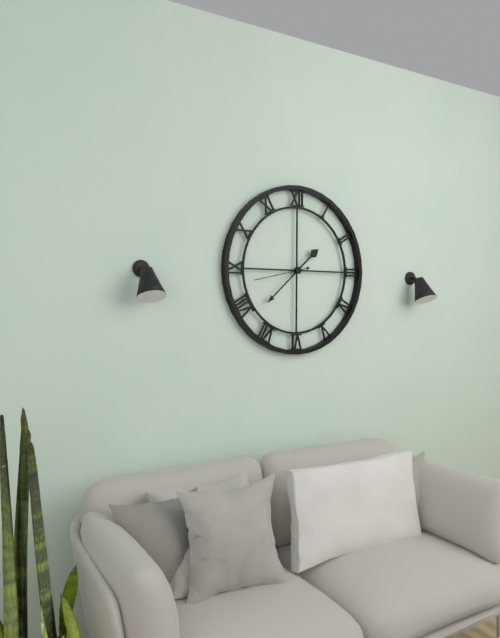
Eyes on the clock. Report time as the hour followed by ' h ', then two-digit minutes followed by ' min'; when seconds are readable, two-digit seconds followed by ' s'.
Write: 1 h 38 min 43 s
